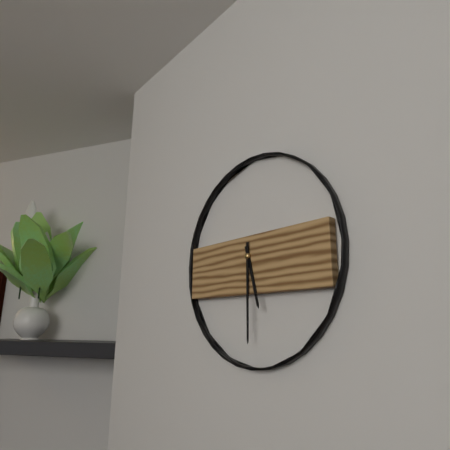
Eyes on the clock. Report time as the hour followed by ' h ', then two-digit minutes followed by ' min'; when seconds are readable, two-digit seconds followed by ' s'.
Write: 5 h 30 min
